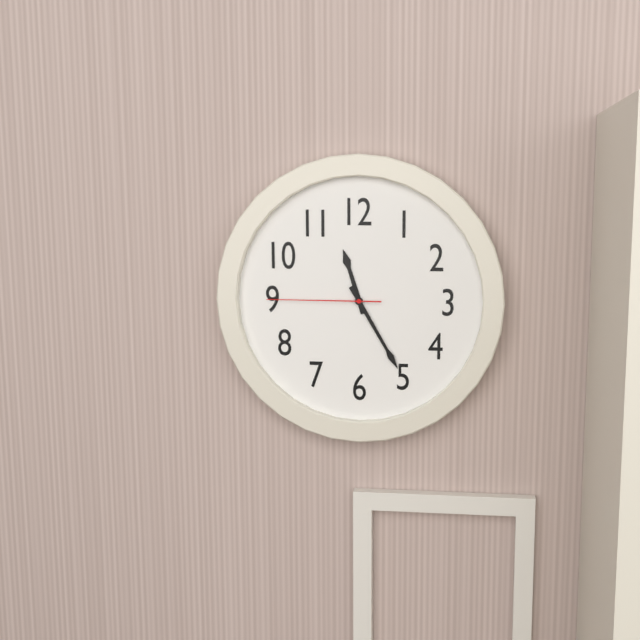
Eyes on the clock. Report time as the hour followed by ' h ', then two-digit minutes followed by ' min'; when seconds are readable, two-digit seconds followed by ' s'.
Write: 11 h 25 min 45 s
